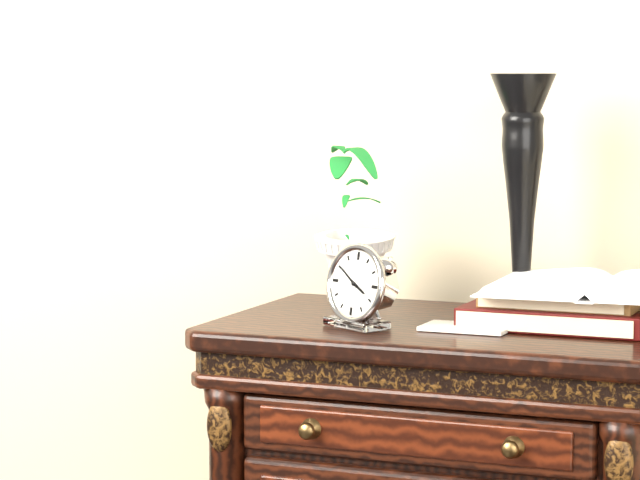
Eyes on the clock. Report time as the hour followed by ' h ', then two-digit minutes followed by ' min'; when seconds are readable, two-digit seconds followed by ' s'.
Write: 3 h 50 min
